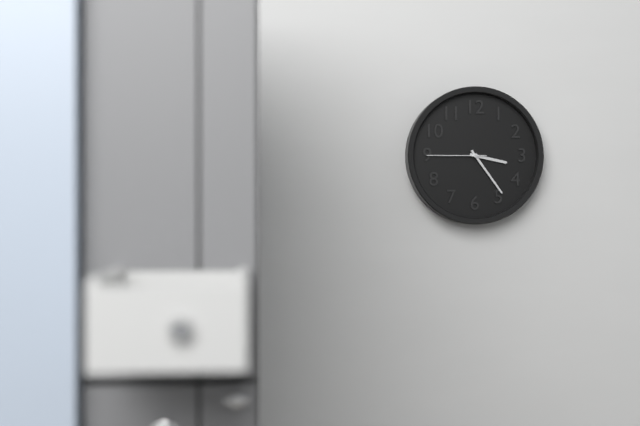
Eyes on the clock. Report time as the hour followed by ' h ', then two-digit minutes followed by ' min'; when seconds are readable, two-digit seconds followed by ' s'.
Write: 3 h 24 min 45 s
